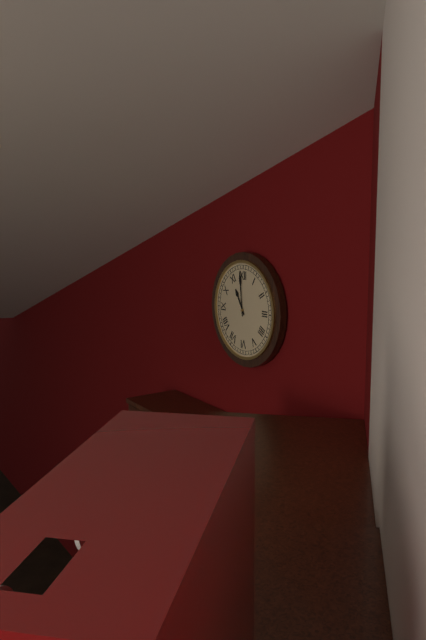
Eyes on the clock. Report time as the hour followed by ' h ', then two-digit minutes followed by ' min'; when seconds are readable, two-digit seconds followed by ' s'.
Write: 10 h 59 min
